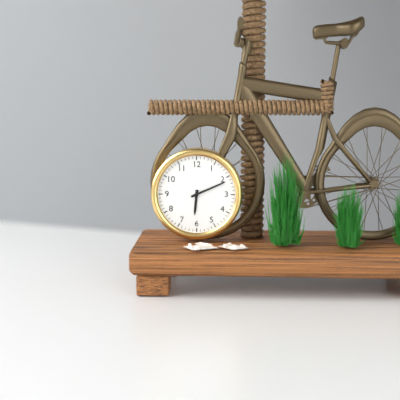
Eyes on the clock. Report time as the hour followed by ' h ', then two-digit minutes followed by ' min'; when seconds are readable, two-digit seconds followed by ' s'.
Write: 6 h 11 min
